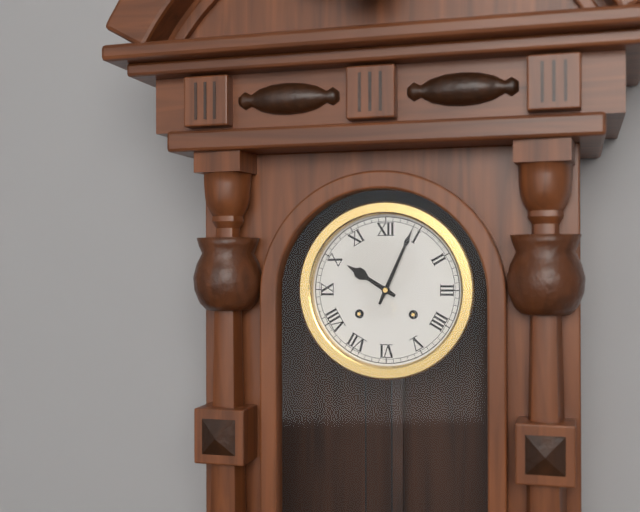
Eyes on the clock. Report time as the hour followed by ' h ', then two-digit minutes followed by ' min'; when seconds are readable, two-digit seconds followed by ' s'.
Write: 10 h 04 min
